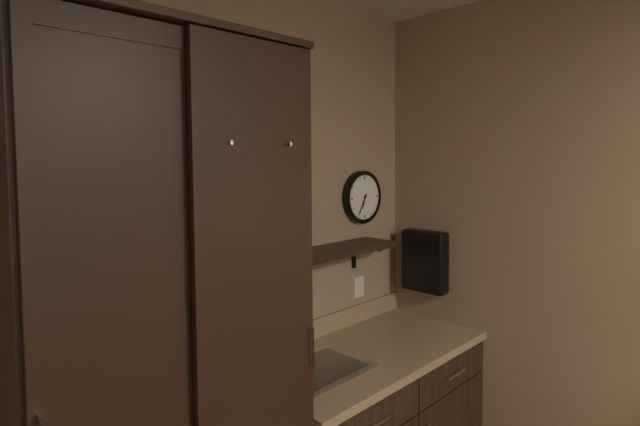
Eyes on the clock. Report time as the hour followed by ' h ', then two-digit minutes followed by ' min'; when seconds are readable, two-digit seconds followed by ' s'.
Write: 6 h 35 min
